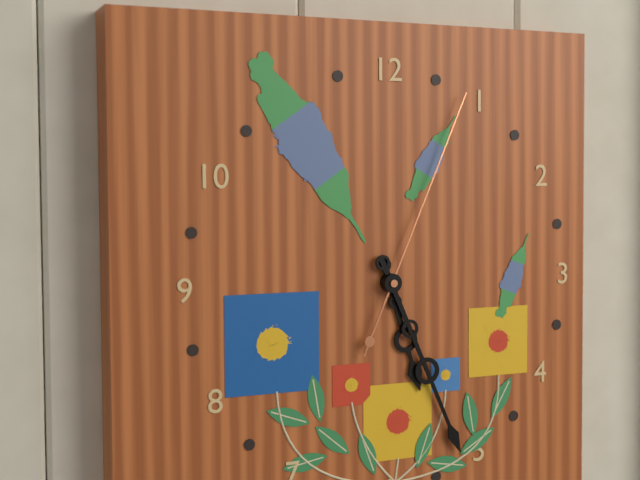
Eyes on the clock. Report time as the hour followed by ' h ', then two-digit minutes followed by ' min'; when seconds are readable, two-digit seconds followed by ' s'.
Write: 5 h 26 min 04 s
